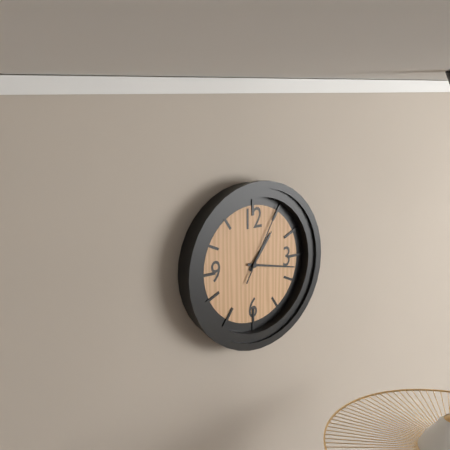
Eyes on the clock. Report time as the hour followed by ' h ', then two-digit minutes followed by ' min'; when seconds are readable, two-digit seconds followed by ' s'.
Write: 1 h 17 min 05 s
